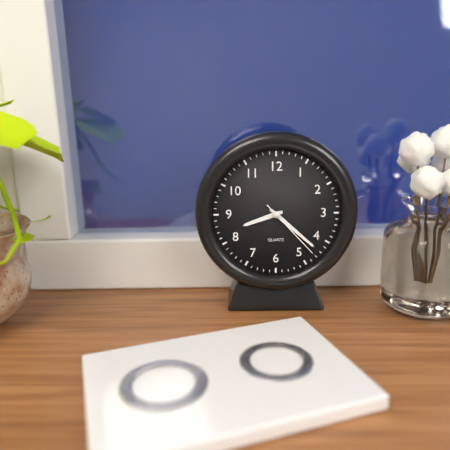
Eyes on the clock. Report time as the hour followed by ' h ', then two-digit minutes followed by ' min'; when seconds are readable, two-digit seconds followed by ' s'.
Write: 8 h 22 min 23 s
